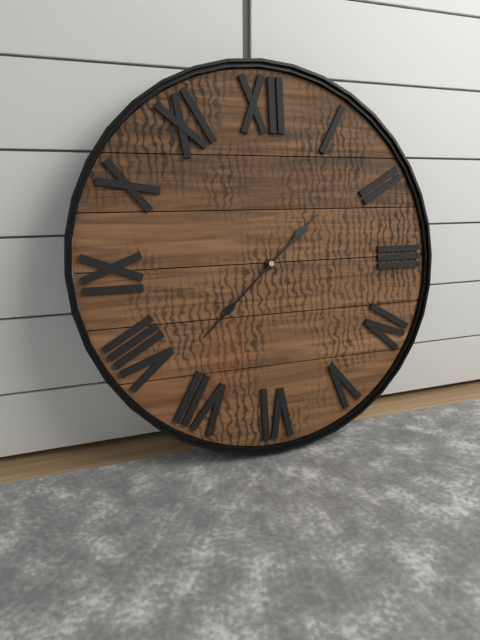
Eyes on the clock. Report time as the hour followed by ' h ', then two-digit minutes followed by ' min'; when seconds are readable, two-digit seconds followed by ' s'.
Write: 1 h 38 min
